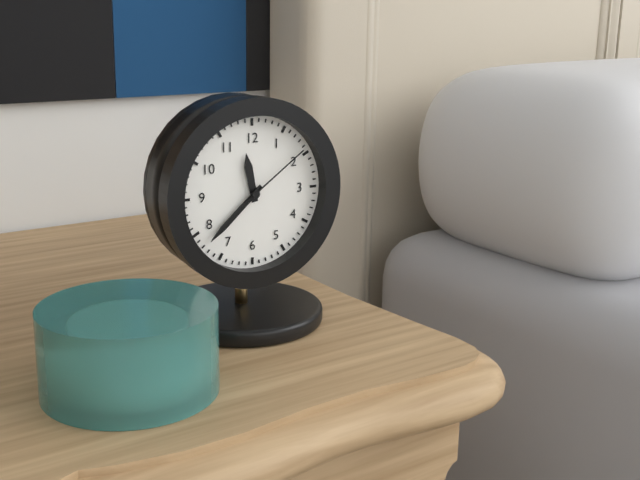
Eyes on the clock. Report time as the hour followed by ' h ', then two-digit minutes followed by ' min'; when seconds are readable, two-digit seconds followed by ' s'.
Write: 11 h 38 min 09 s
